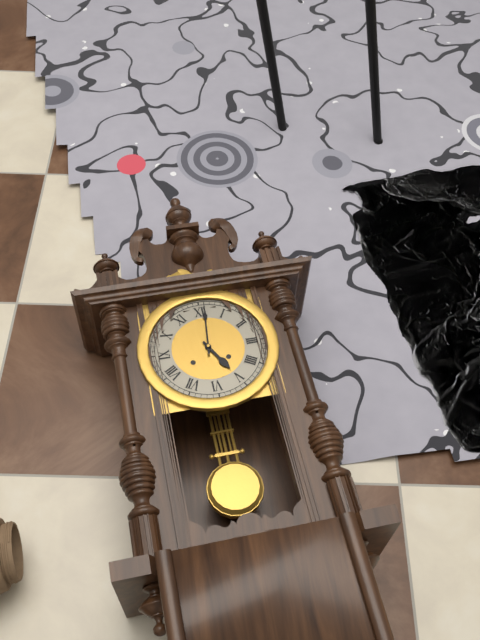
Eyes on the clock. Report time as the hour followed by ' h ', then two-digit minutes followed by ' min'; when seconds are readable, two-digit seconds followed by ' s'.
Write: 5 h 01 min
